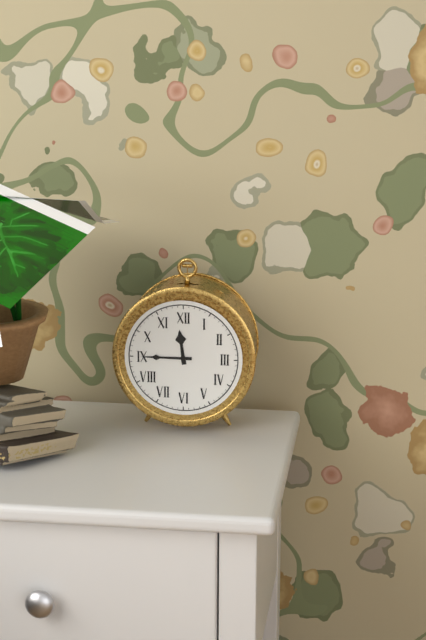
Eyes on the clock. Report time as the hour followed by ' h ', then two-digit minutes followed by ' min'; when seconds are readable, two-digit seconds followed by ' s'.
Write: 11 h 45 min
